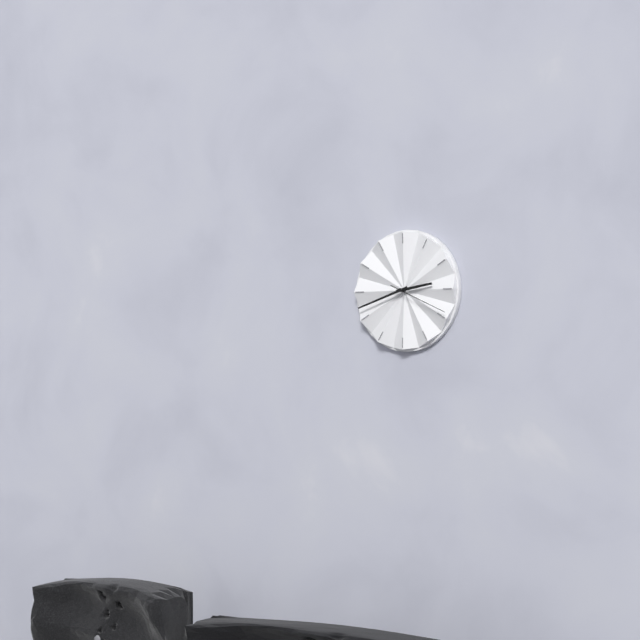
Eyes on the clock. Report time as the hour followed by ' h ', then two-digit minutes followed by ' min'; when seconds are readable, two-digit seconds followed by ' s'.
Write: 2 h 42 min 19 s
